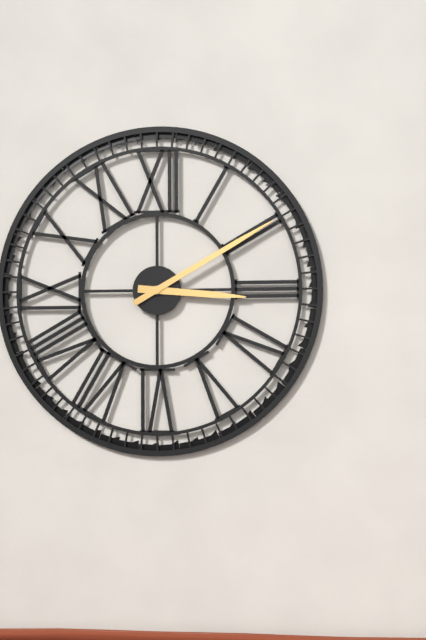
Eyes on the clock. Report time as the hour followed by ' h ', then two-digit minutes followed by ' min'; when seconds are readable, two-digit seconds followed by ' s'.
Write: 3 h 10 min
